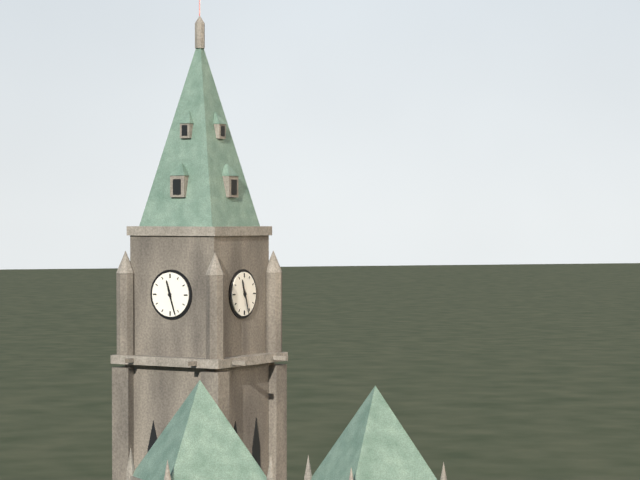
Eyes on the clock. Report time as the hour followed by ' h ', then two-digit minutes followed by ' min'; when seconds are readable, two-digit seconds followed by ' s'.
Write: 11 h 27 min
